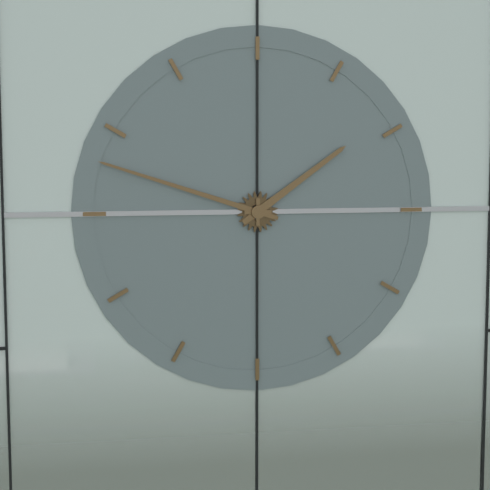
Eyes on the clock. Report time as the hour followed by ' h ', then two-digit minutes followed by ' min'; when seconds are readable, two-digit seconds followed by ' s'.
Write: 1 h 48 min
